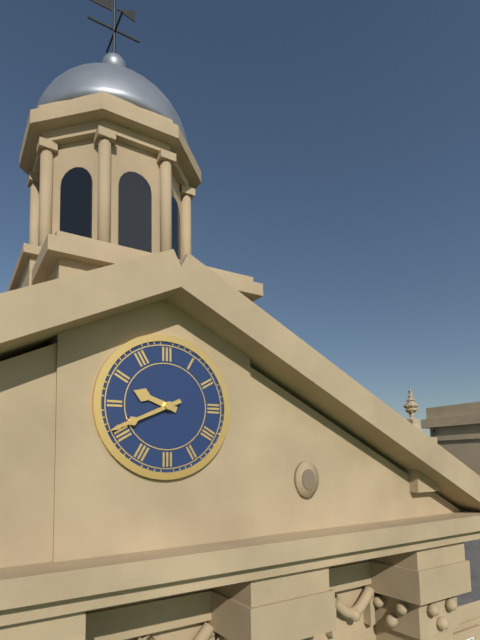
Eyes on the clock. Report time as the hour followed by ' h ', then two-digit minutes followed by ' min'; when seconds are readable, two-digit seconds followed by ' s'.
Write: 9 h 41 min
